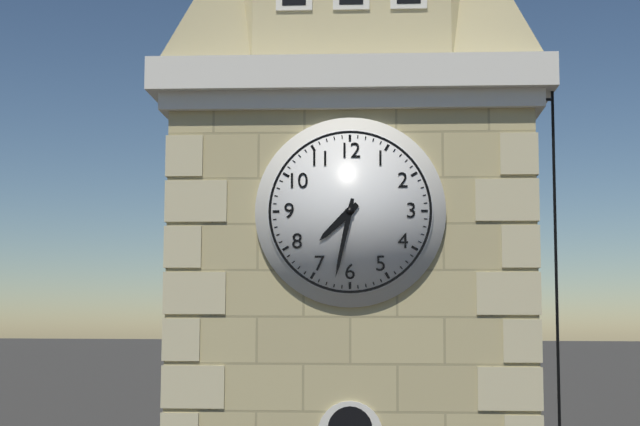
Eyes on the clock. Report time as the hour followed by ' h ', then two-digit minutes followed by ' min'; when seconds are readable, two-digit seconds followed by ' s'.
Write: 7 h 32 min
